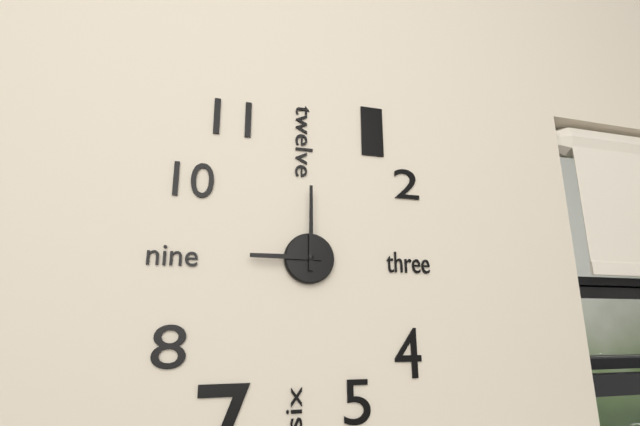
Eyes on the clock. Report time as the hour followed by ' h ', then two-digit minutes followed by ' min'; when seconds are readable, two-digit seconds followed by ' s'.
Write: 9 h 00 min
